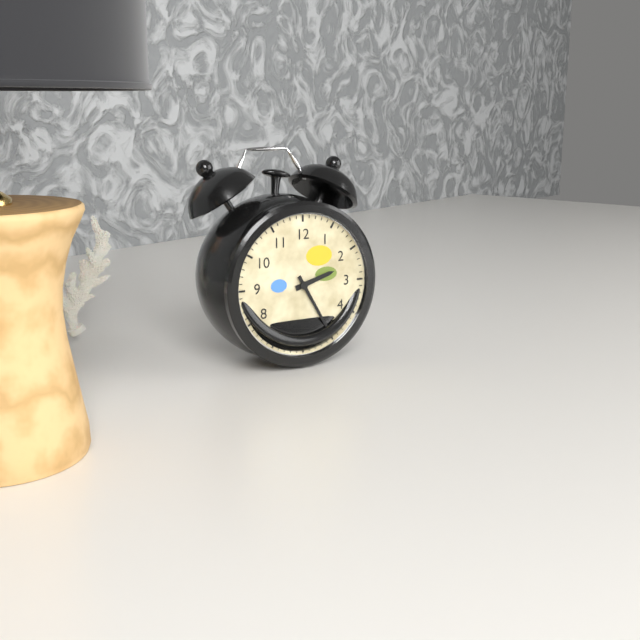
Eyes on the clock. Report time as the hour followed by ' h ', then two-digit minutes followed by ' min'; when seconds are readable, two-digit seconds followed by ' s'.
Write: 2 h 25 min
